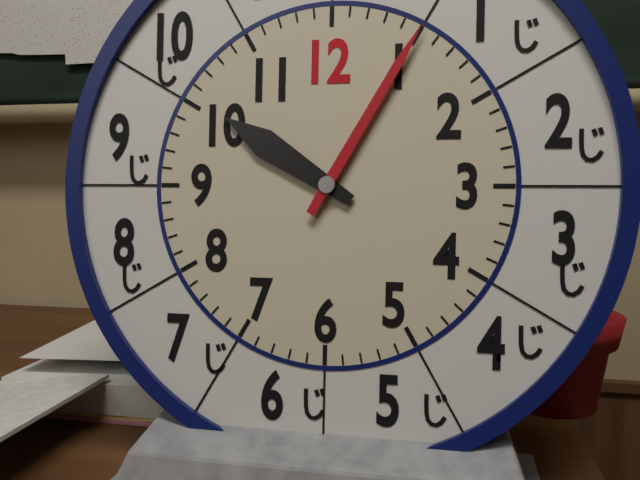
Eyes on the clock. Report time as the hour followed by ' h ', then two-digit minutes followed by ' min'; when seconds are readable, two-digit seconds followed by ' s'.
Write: 10 h 05 min
